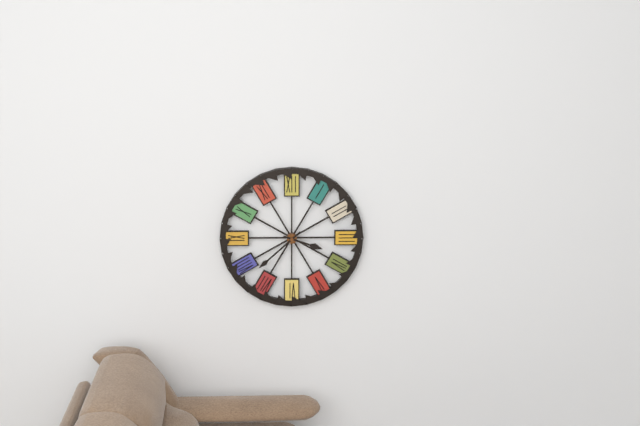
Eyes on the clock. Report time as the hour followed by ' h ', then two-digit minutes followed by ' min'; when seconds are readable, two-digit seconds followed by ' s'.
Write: 3 h 38 min
